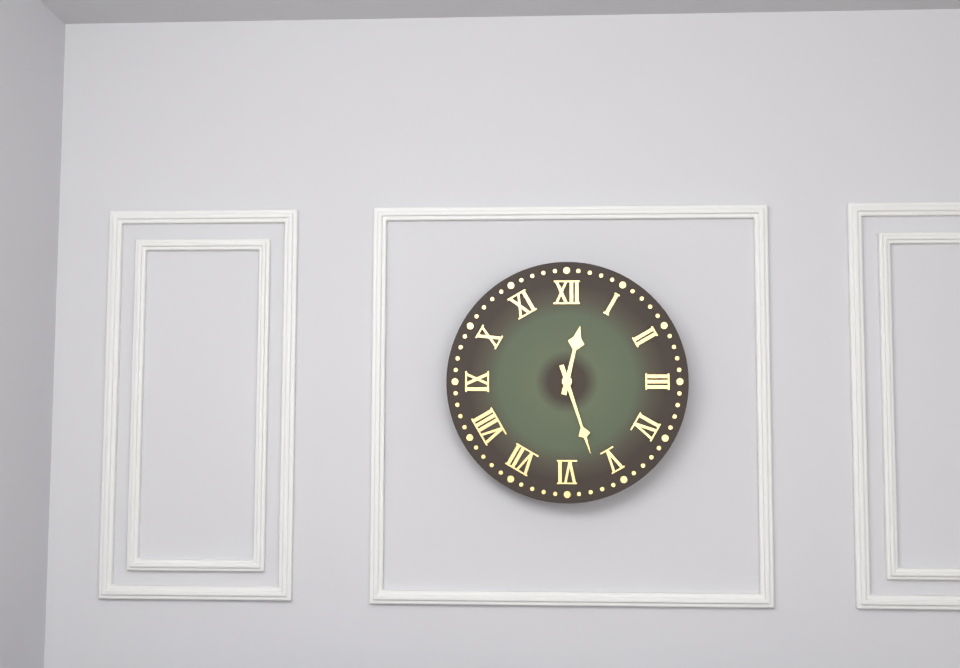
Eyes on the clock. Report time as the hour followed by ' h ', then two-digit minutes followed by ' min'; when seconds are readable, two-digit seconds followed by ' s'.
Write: 12 h 27 min
